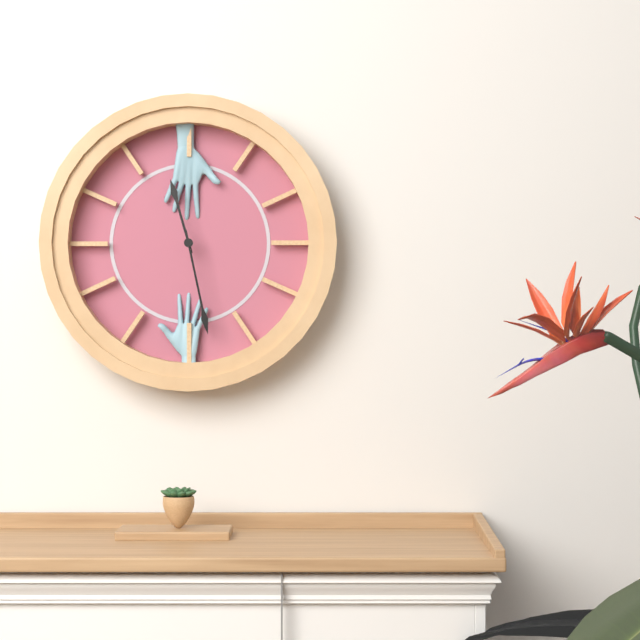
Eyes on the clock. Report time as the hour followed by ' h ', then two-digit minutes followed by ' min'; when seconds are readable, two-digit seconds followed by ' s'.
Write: 11 h 28 min
